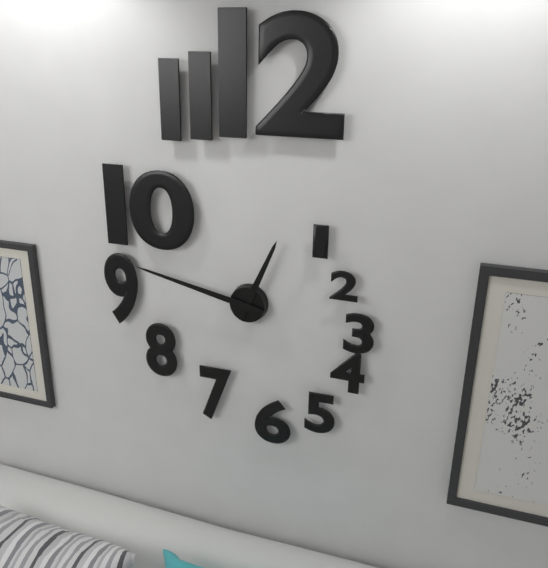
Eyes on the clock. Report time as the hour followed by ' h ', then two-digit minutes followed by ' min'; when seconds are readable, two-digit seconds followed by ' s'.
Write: 12 h 47 min
